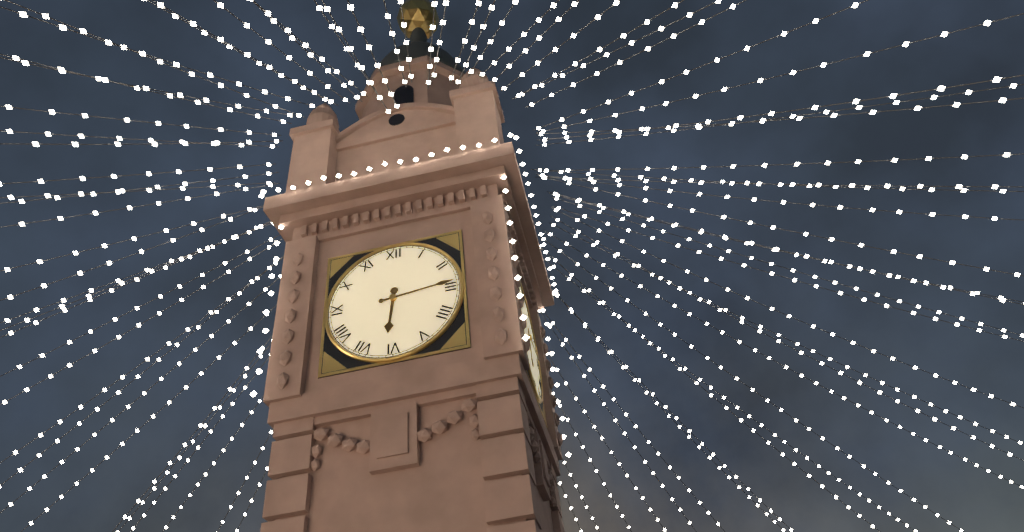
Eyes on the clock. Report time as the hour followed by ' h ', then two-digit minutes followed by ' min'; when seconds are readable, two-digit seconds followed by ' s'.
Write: 6 h 14 min
